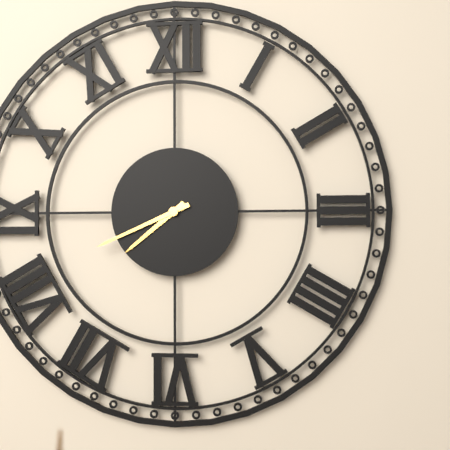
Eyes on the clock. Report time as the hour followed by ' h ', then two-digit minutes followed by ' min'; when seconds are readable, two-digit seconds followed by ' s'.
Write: 7 h 41 min
